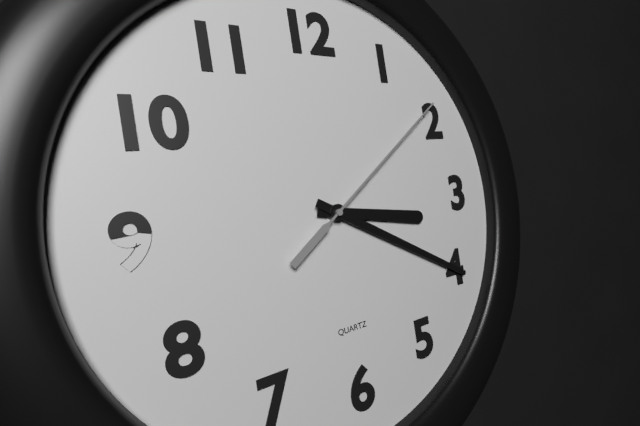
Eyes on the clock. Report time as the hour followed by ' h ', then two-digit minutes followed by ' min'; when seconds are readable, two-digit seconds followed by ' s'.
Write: 3 h 20 min 09 s
